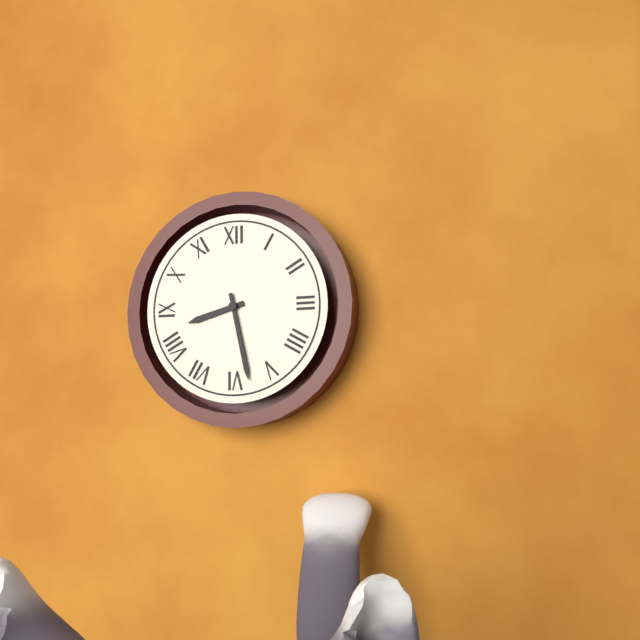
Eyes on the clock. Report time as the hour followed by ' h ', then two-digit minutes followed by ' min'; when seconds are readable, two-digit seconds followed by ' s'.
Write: 8 h 28 min
